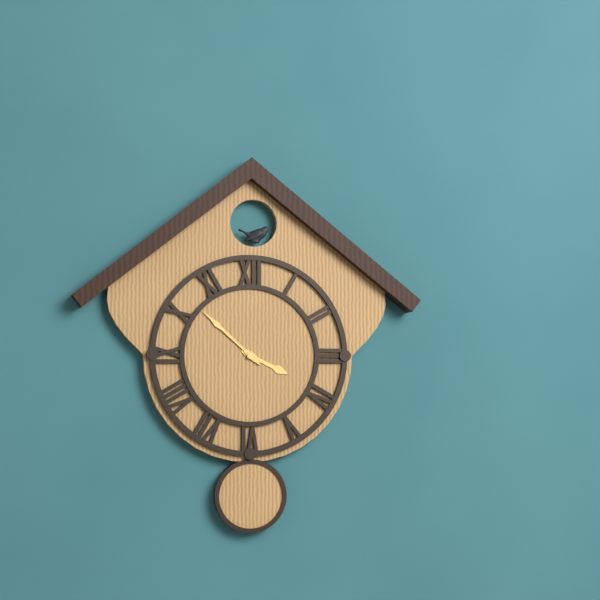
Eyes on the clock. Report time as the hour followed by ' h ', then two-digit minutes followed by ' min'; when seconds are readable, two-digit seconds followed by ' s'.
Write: 3 h 52 min
